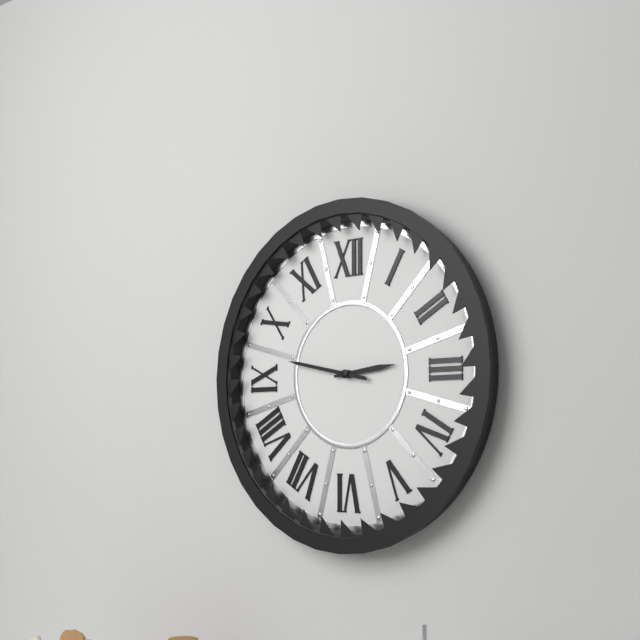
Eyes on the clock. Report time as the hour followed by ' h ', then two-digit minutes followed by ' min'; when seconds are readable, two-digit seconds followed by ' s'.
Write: 2 h 47 min
